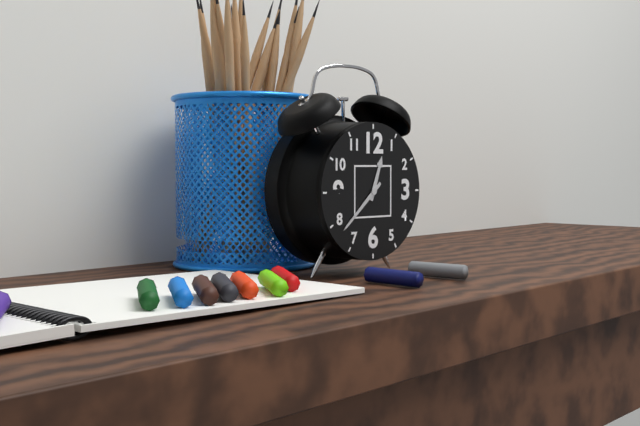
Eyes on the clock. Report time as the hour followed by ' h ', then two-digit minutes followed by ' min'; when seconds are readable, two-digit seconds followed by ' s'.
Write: 12 h 38 min
